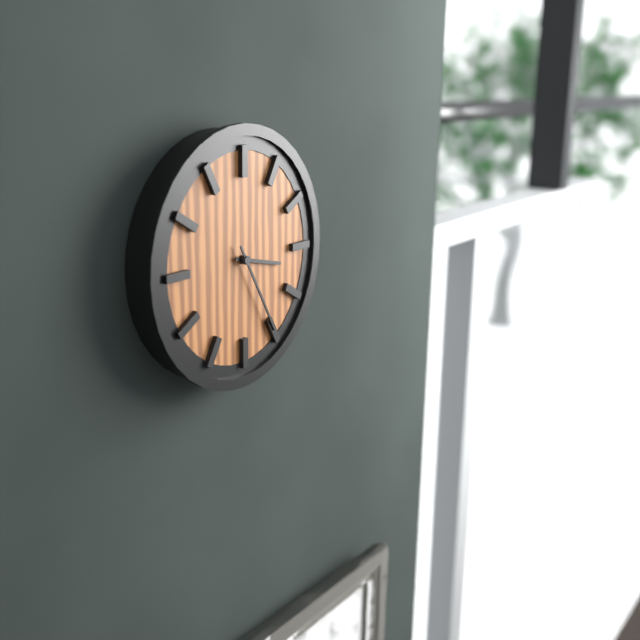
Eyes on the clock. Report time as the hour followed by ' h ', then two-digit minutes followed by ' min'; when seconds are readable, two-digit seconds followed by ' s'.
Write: 3 h 25 min
